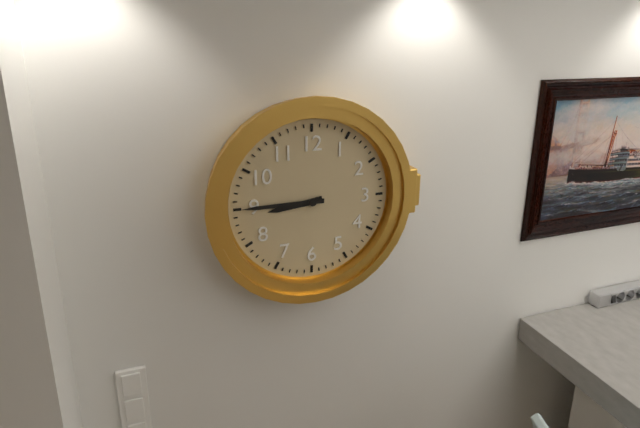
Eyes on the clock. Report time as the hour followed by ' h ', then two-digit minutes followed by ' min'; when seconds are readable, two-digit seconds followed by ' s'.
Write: 8 h 45 min
